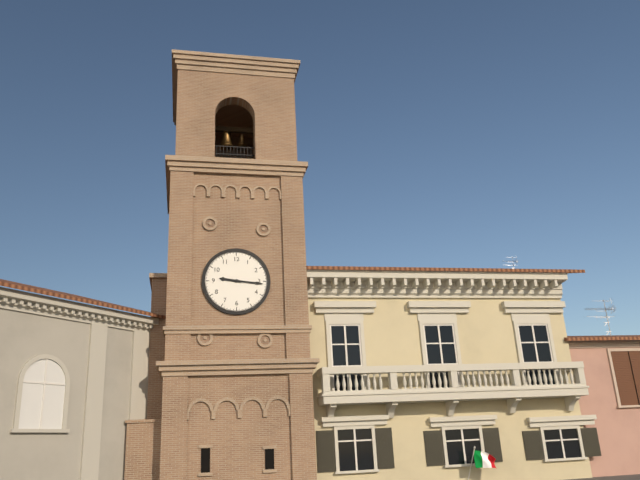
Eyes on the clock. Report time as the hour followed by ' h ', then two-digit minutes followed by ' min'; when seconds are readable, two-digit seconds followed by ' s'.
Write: 9 h 16 min
